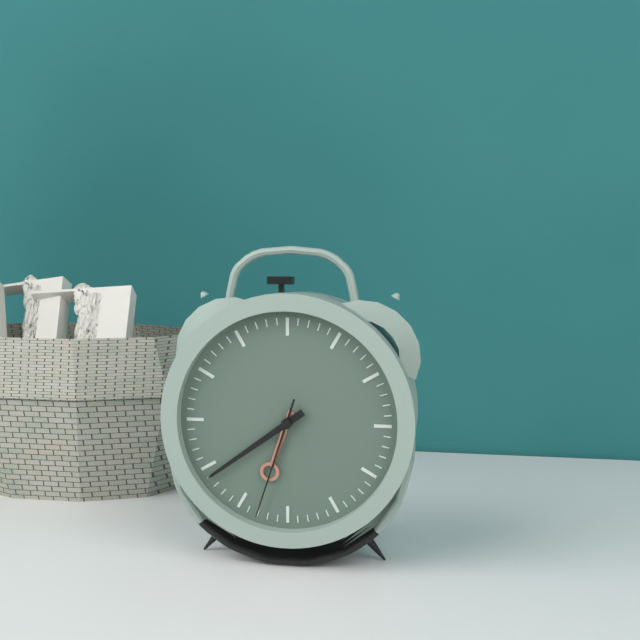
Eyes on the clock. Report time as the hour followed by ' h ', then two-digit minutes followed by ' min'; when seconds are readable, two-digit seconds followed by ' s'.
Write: 6 h 39 min 33 s
